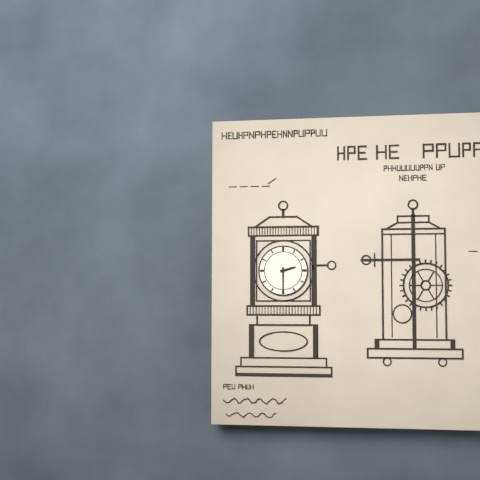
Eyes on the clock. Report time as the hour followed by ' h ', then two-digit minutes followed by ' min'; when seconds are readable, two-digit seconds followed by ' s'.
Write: 2 h 30 min
